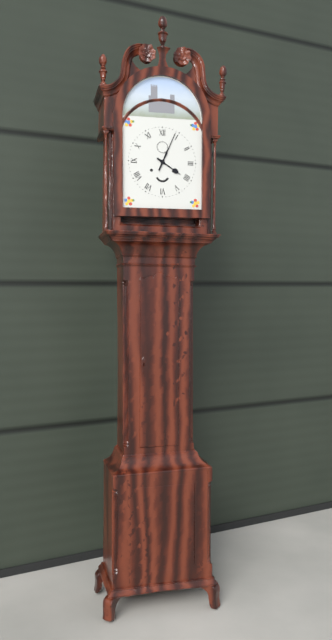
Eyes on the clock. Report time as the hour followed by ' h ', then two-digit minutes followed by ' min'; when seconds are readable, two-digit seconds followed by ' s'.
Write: 4 h 04 min
